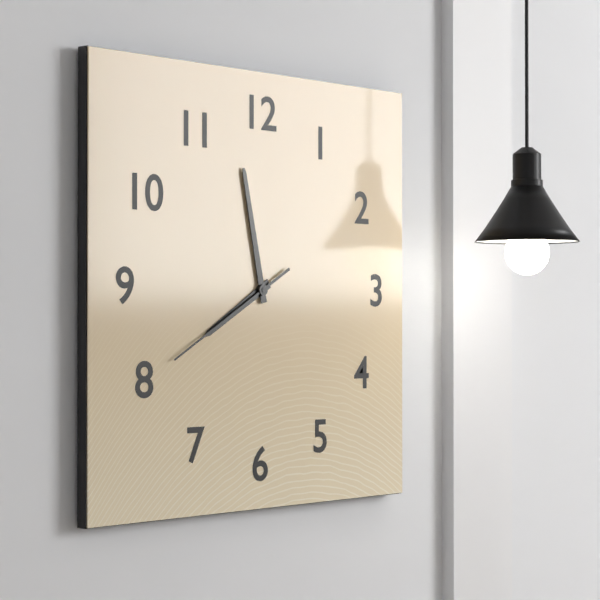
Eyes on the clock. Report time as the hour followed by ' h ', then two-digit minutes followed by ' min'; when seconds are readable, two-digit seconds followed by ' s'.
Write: 7 h 58 min 40 s
